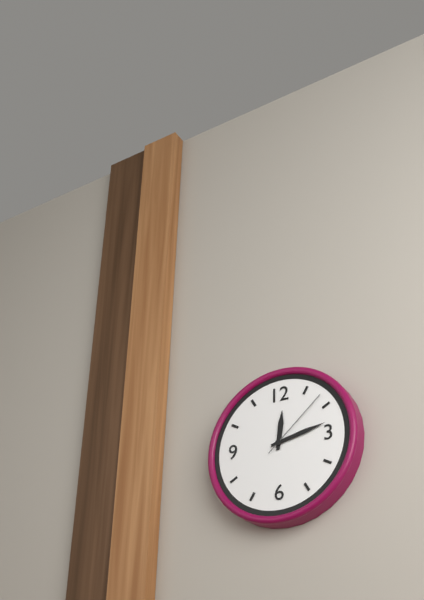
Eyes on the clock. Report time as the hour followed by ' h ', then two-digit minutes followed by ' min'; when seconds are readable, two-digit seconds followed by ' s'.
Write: 12 h 13 min 08 s
